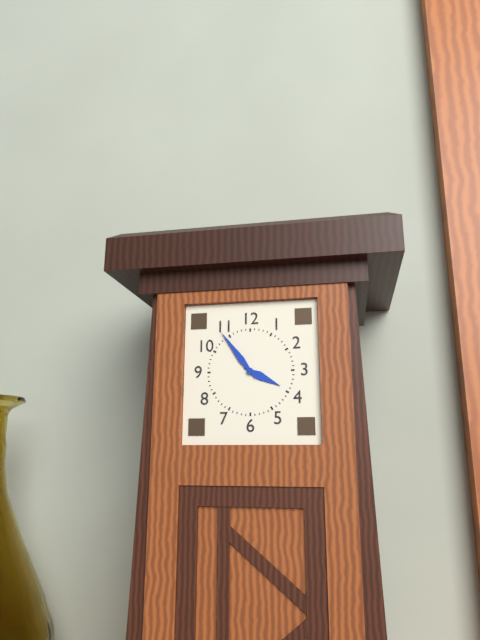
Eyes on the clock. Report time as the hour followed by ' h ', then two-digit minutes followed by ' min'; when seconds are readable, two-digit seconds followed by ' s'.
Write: 3 h 54 min
